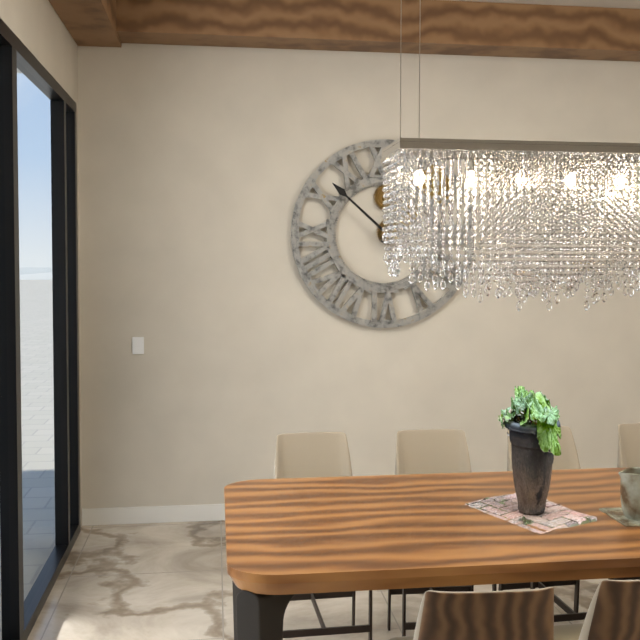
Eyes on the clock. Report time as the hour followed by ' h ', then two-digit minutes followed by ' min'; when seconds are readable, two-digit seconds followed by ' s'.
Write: 12 h 52 min
